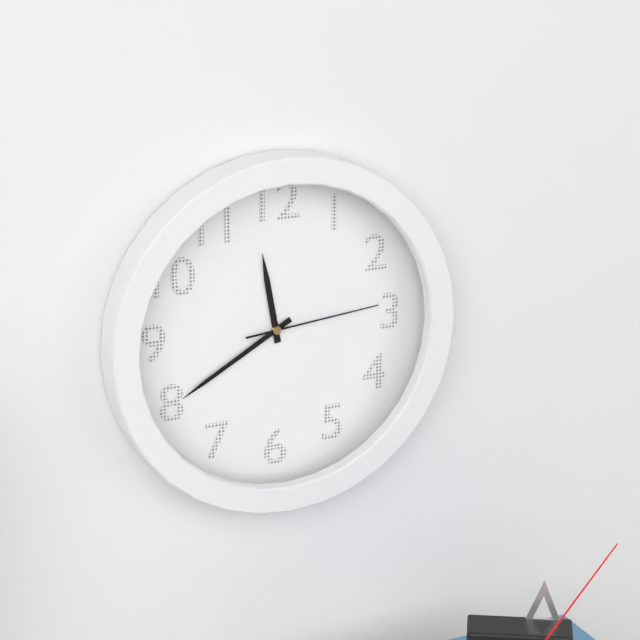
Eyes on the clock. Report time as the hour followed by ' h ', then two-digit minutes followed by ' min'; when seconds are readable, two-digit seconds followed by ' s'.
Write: 11 h 40 min 14 s
